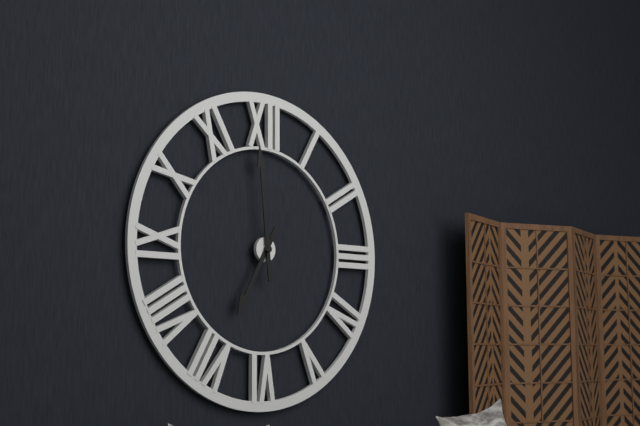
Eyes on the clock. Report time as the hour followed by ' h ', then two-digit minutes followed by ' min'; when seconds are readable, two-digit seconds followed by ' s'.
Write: 6 h 59 min
